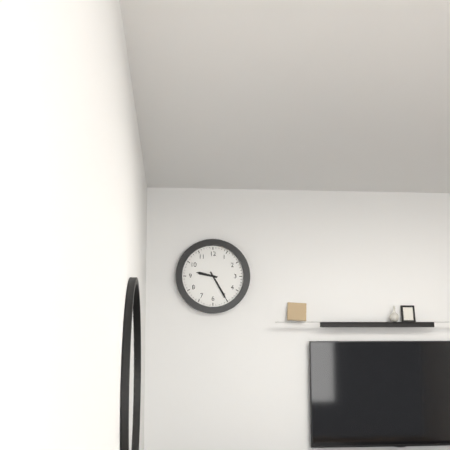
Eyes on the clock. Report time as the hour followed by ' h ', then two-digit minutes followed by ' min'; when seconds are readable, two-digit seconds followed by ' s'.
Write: 9 h 25 min
